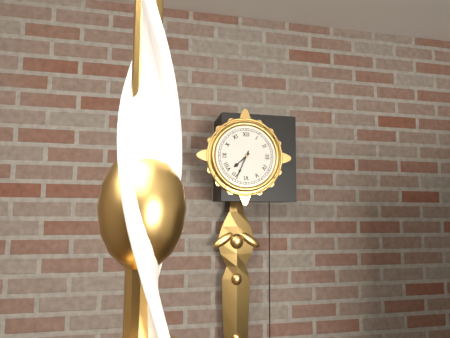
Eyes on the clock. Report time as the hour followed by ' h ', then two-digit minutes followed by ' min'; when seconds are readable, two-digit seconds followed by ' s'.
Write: 7 h 34 min
